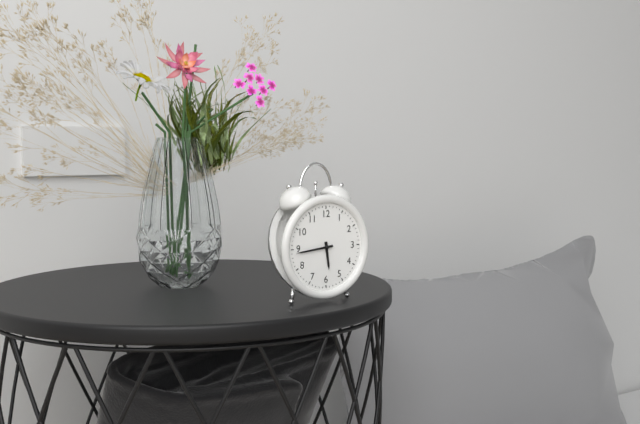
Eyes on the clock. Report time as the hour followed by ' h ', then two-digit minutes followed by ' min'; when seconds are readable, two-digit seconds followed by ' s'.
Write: 5 h 44 min
